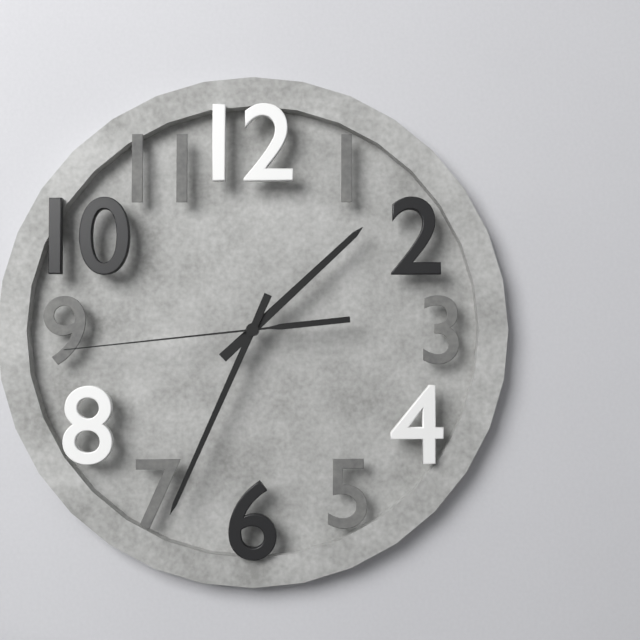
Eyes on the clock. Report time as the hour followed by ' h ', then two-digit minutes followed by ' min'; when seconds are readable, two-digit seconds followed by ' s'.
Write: 1 h 34 min 44 s
